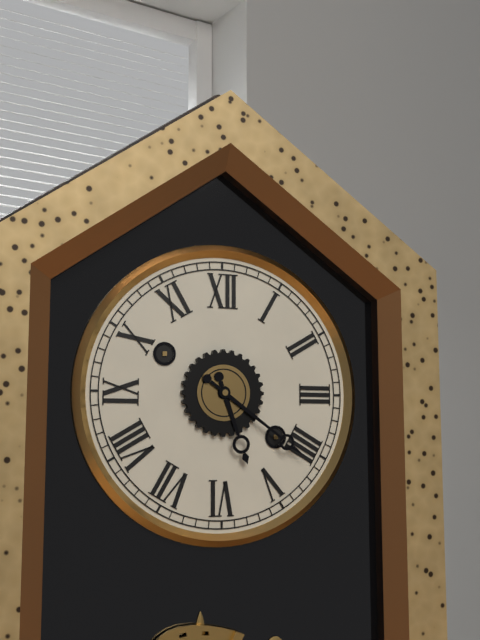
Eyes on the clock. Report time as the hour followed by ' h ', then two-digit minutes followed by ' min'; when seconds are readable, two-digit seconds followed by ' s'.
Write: 5 h 21 min
